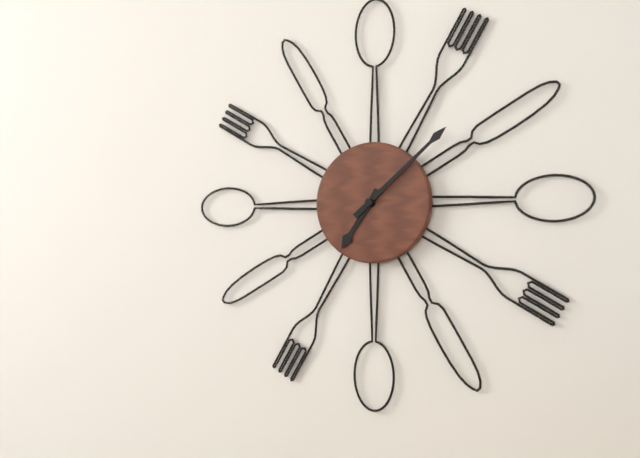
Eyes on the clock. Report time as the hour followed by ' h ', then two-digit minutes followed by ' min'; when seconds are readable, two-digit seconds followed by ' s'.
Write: 7 h 08 min
